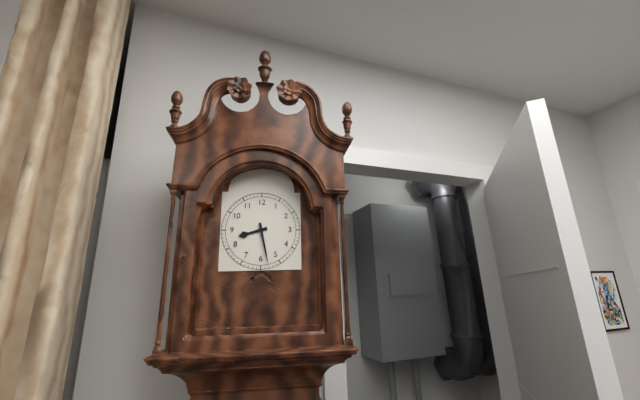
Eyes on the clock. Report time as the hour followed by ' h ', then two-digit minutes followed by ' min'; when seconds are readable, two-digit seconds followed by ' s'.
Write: 8 h 28 min
